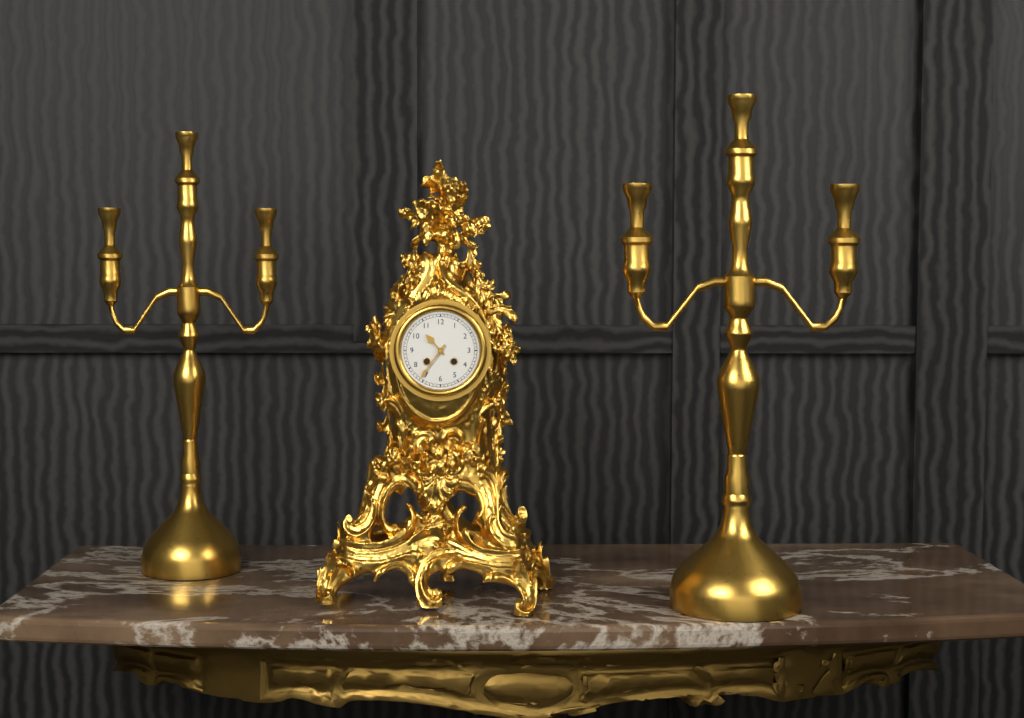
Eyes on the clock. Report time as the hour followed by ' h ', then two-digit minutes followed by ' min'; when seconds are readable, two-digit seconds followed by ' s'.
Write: 10 h 36 min
